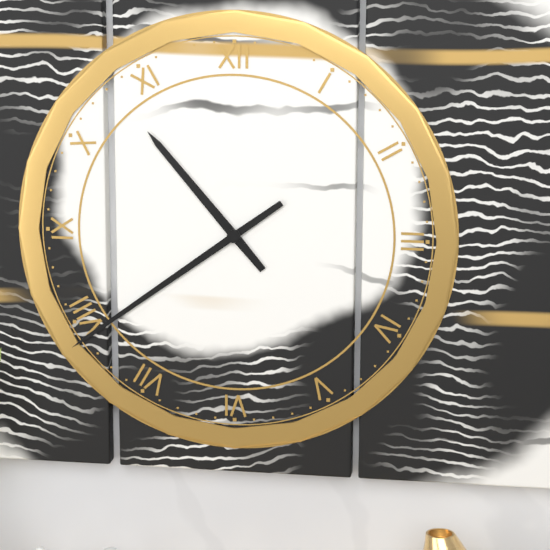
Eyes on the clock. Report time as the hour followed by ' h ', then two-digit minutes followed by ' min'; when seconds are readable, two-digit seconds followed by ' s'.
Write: 10 h 39 min
